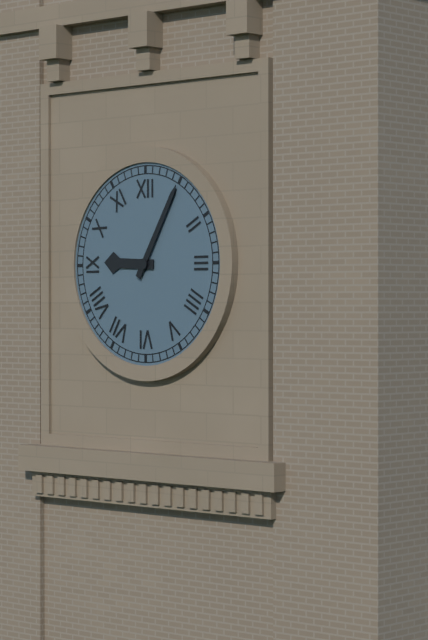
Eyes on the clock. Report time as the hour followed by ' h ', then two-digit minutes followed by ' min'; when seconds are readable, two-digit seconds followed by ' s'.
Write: 9 h 05 min
